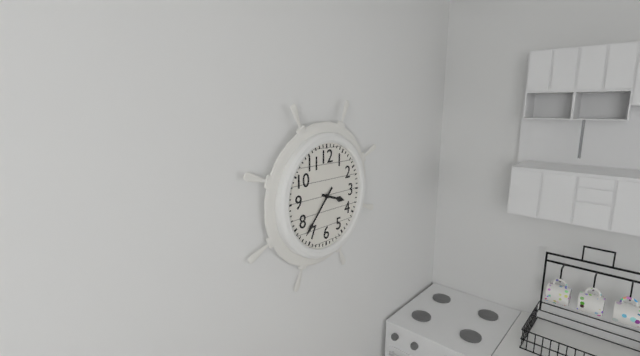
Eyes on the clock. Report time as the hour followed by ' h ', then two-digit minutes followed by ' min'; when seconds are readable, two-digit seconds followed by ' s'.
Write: 3 h 37 min
